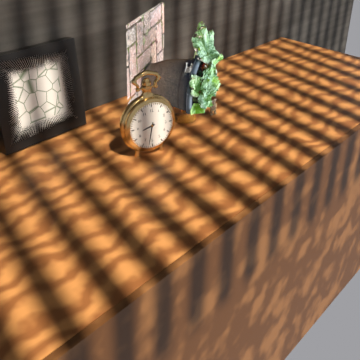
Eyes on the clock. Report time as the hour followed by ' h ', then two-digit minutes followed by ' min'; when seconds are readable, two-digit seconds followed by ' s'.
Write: 8 h 32 min
